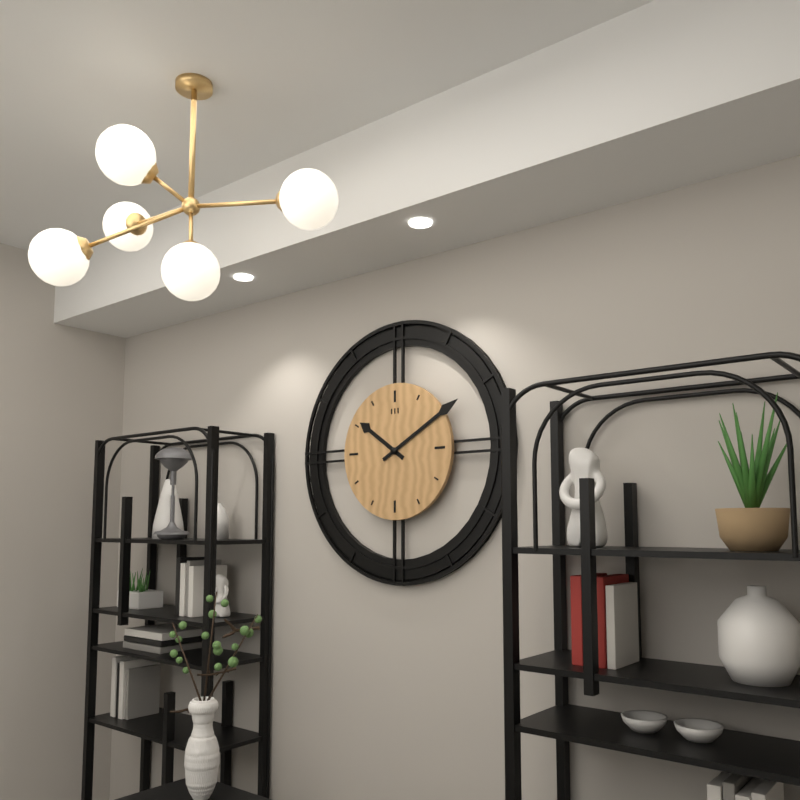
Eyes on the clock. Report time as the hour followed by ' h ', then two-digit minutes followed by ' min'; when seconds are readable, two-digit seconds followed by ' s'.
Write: 10 h 10 min
